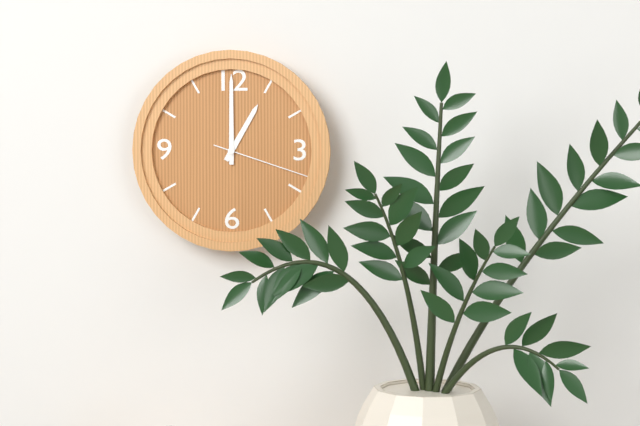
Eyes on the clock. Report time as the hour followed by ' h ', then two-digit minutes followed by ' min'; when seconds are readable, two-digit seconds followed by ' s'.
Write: 1 h 00 min 18 s
